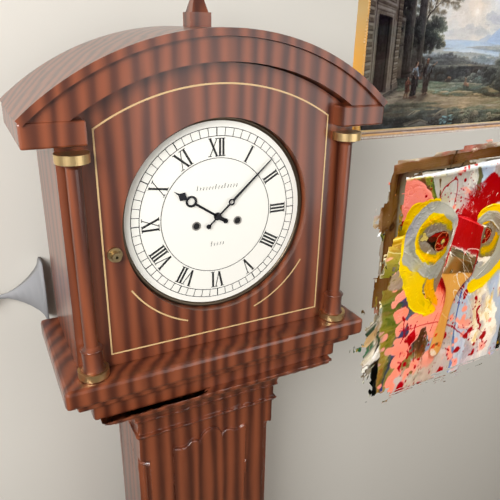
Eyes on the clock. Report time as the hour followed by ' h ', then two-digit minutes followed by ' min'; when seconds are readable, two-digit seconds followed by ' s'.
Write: 10 h 08 min
